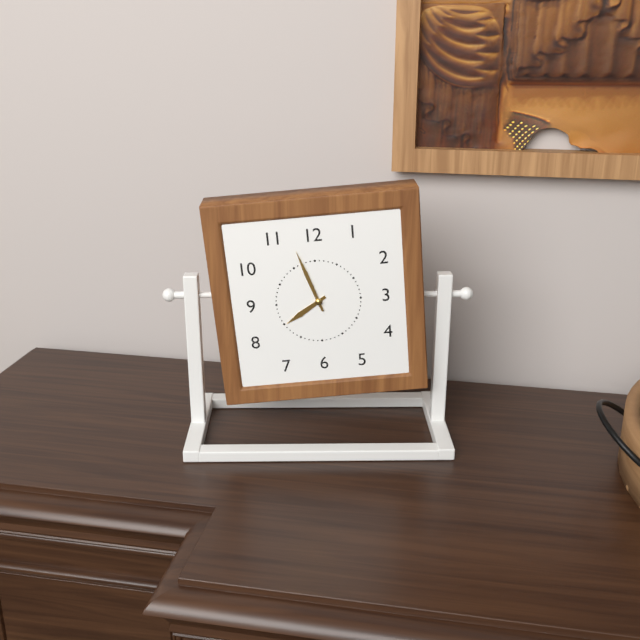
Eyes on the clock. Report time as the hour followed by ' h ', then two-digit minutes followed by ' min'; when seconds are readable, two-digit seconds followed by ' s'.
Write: 7 h 57 min
